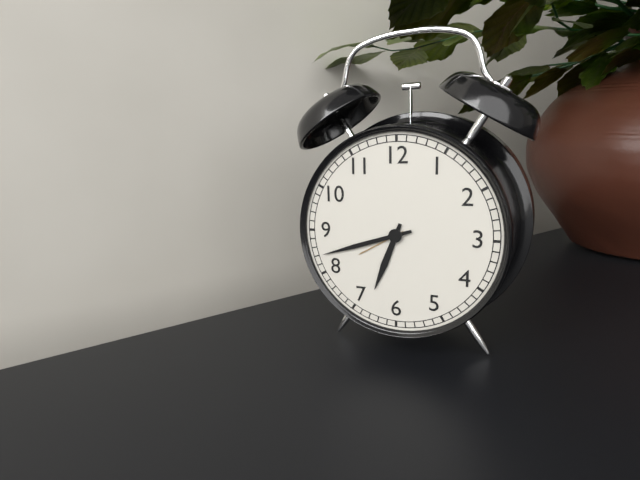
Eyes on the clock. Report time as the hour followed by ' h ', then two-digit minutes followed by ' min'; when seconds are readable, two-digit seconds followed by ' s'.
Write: 6 h 42 min
